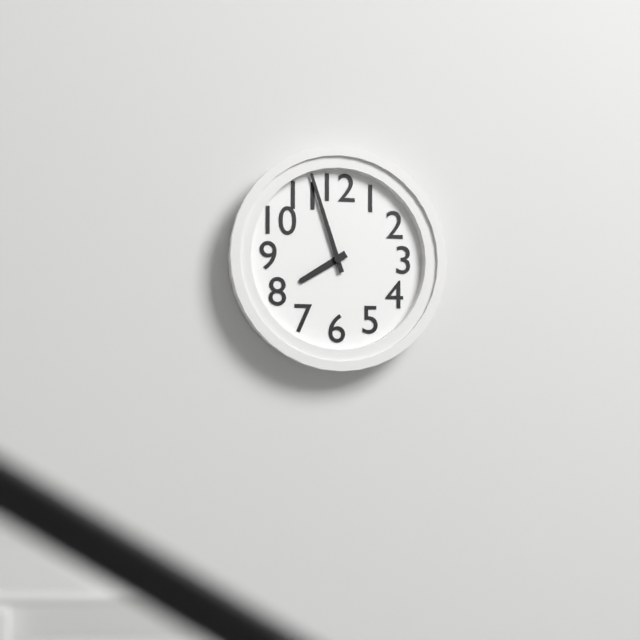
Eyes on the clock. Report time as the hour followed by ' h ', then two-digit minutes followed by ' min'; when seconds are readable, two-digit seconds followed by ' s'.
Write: 7 h 57 min
